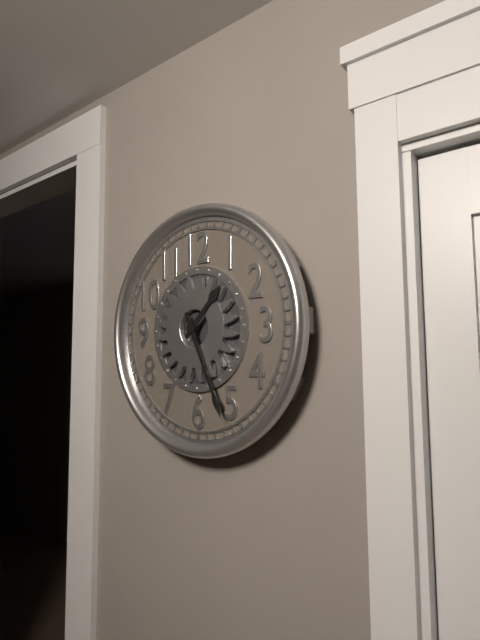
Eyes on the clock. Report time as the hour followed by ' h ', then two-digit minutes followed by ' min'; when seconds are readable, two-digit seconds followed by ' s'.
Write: 1 h 26 min
